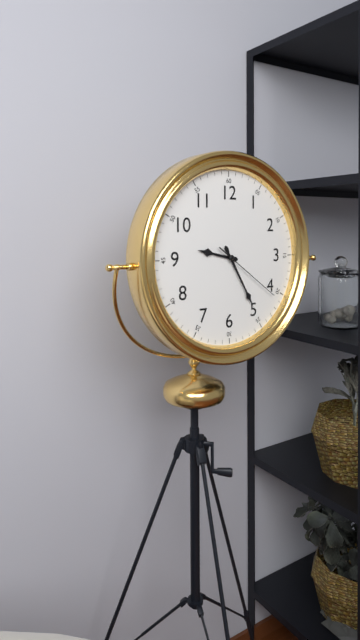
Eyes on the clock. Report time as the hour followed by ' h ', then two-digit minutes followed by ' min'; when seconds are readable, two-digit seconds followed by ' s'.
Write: 9 h 25 min 21 s
